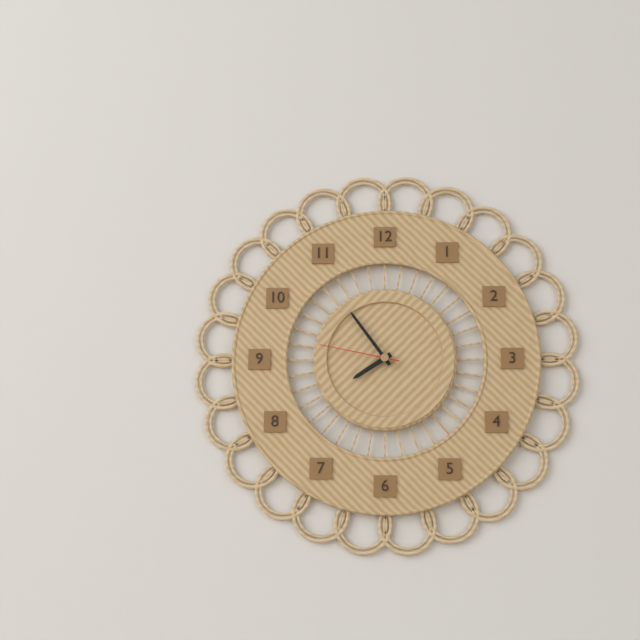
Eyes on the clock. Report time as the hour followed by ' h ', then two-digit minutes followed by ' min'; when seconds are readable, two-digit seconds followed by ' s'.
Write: 7 h 54 min 47 s
